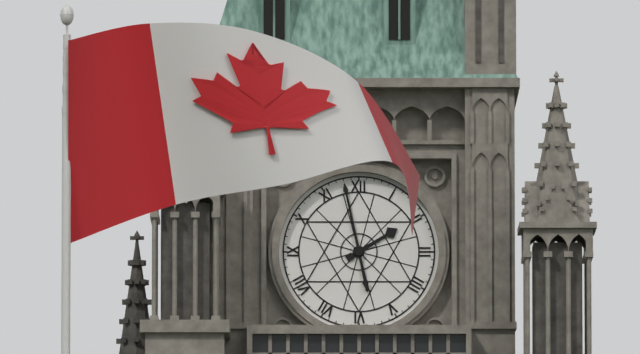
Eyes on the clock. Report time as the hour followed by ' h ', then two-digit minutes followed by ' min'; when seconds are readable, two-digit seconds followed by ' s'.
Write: 1 h 58 min
